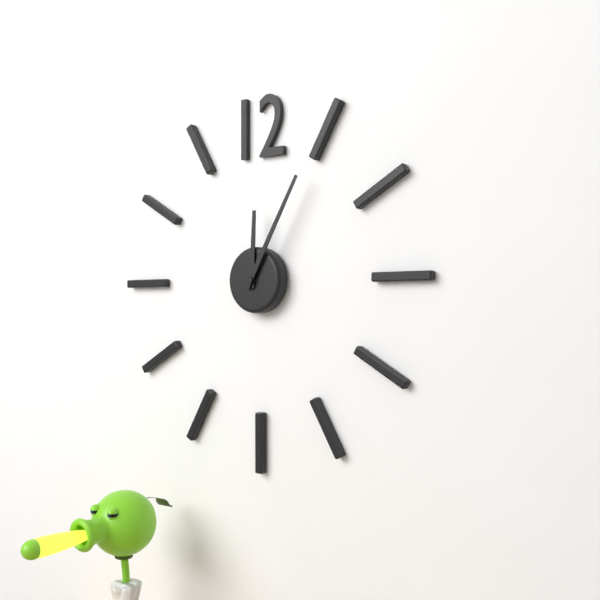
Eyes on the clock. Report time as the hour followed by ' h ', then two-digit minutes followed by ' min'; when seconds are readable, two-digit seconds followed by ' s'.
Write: 12 h 05 min
